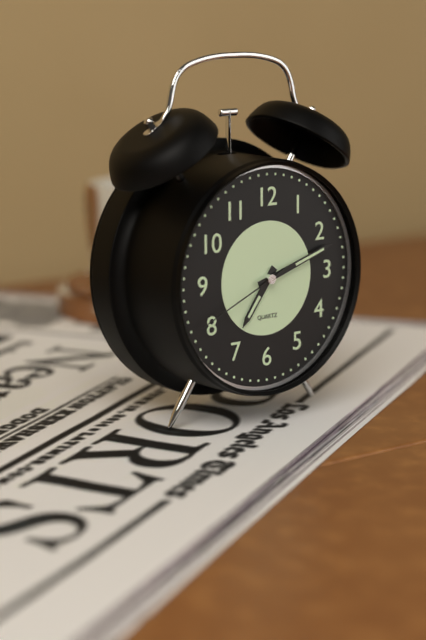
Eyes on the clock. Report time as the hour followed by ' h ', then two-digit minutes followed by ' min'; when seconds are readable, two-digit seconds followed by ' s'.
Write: 7 h 12 min 41 s
